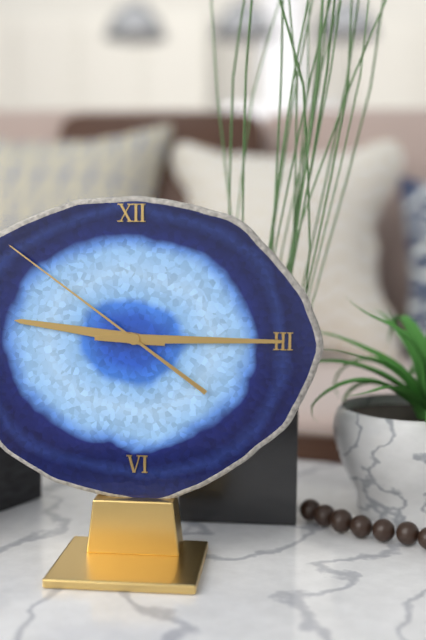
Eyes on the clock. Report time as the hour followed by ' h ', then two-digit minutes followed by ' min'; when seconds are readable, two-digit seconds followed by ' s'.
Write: 9 h 15 min 51 s
